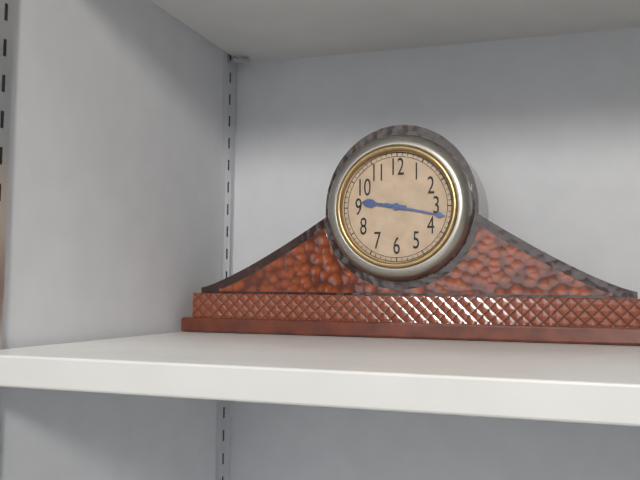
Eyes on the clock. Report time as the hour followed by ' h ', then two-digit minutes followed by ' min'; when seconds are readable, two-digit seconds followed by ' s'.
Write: 9 h 17 min
